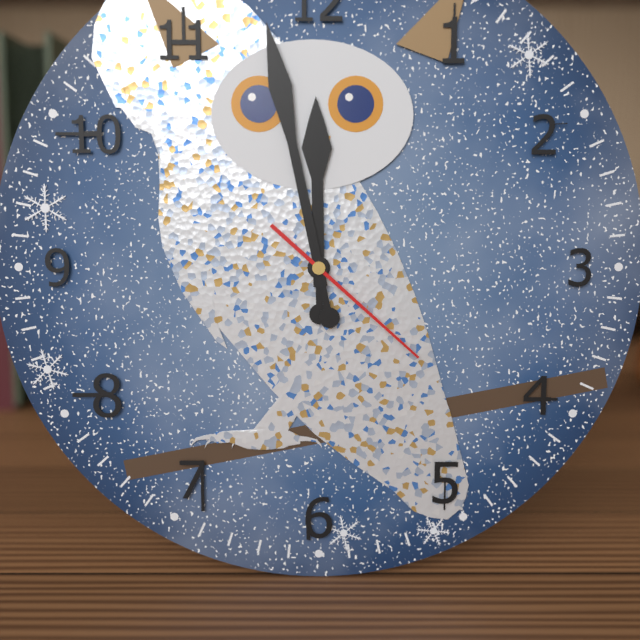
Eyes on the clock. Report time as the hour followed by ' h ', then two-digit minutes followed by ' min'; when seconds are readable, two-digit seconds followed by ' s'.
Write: 11 h 58 min 22 s
